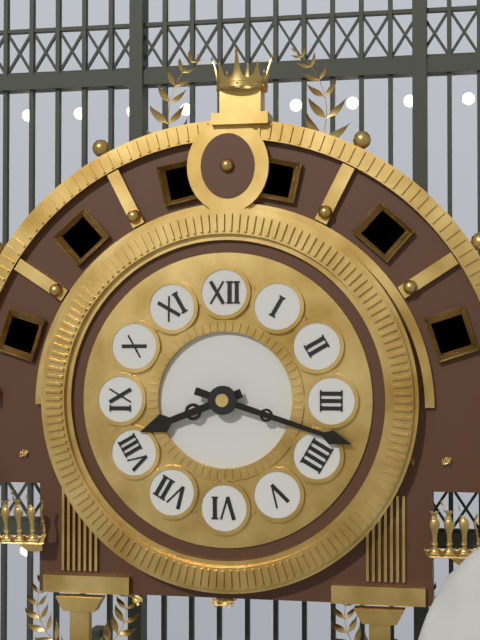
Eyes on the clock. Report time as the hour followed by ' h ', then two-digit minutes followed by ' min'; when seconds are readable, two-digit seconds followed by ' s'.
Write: 8 h 18 min
